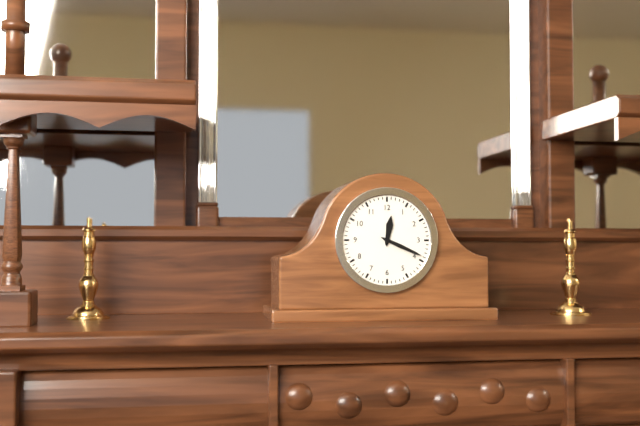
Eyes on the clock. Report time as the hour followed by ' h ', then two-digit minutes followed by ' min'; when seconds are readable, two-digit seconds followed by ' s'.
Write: 12 h 19 min
